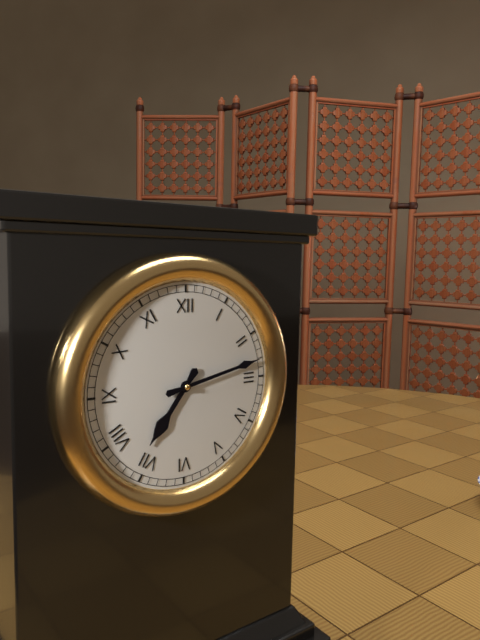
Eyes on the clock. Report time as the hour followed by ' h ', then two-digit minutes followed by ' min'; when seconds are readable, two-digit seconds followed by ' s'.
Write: 7 h 13 min
